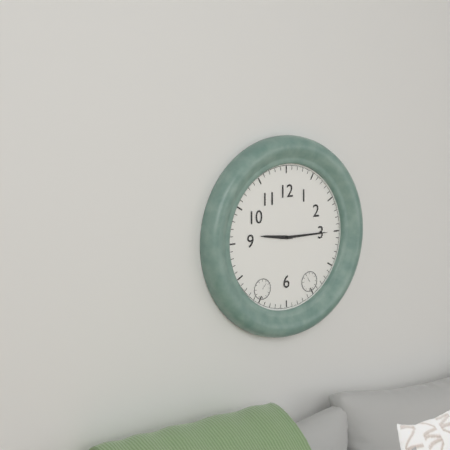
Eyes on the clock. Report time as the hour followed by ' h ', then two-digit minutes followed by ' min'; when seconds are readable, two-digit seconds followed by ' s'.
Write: 9 h 15 min
